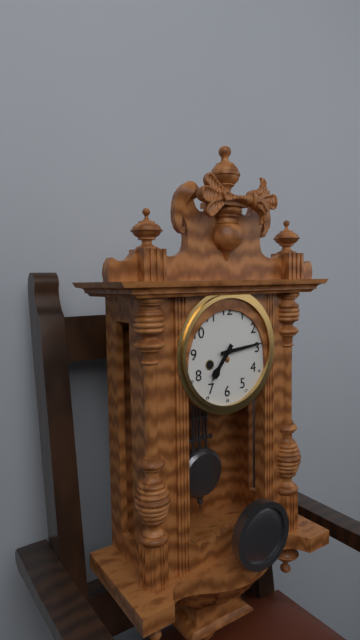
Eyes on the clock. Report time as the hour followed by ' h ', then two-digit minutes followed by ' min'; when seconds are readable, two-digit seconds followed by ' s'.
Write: 7 h 14 min
